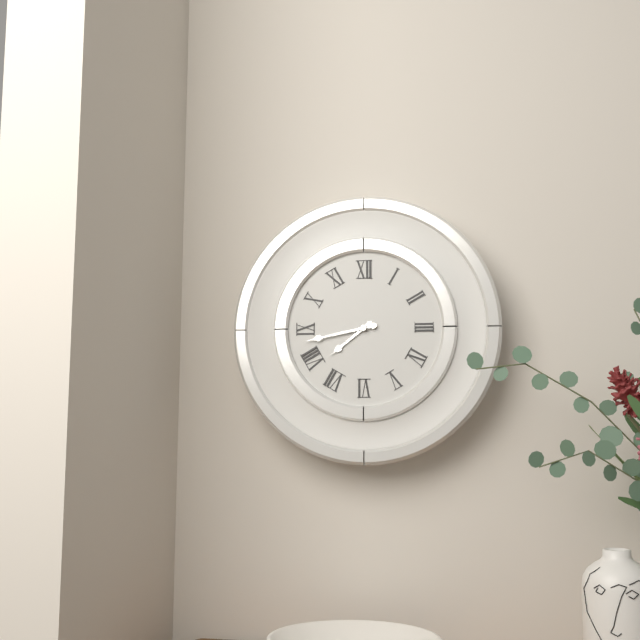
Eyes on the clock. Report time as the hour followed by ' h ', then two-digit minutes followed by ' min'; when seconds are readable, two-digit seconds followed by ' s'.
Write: 7 h 43 min
